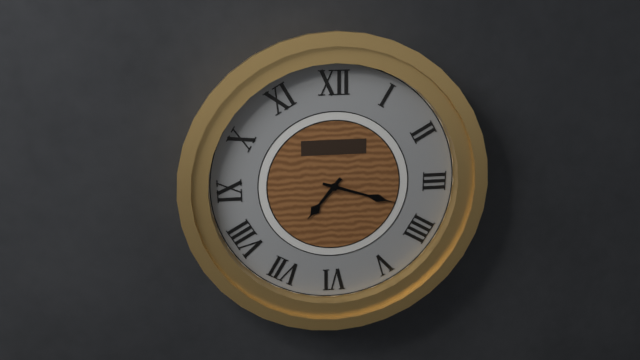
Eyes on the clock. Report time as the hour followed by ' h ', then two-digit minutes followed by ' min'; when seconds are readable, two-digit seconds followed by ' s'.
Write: 7 h 18 min
